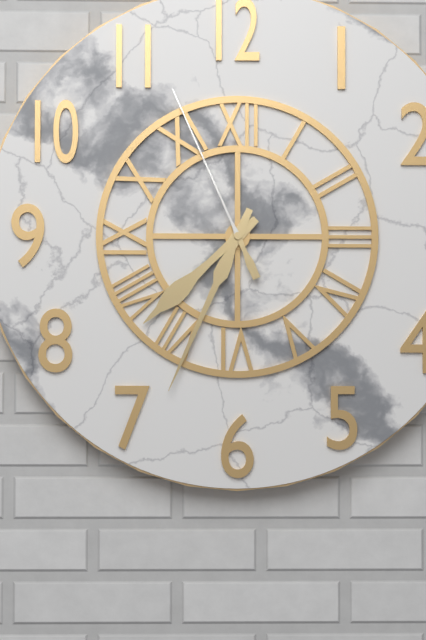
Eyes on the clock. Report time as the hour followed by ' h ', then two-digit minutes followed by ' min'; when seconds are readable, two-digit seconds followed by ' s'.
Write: 7 h 34 min 56 s
